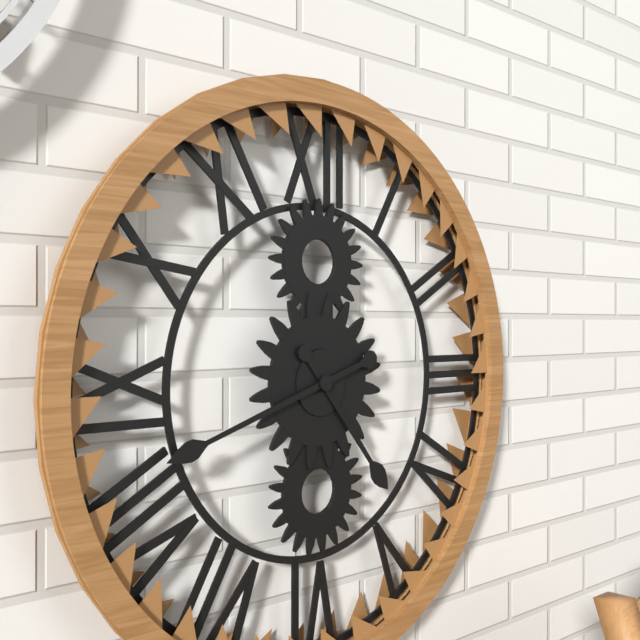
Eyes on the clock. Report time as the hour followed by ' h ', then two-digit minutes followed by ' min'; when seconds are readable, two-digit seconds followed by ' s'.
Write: 4 h 42 min
